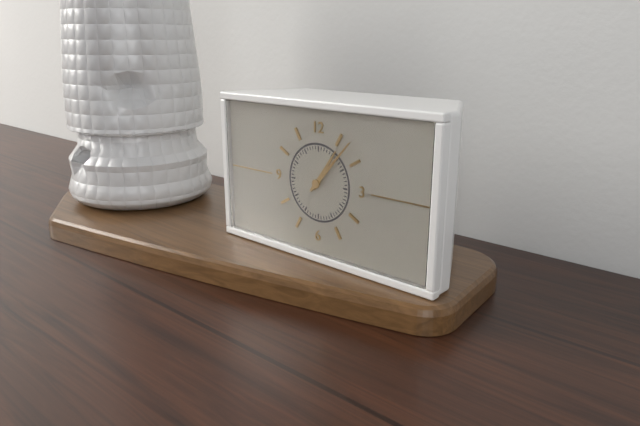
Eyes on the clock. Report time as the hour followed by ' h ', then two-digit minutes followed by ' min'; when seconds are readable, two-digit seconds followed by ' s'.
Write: 1 h 07 min
